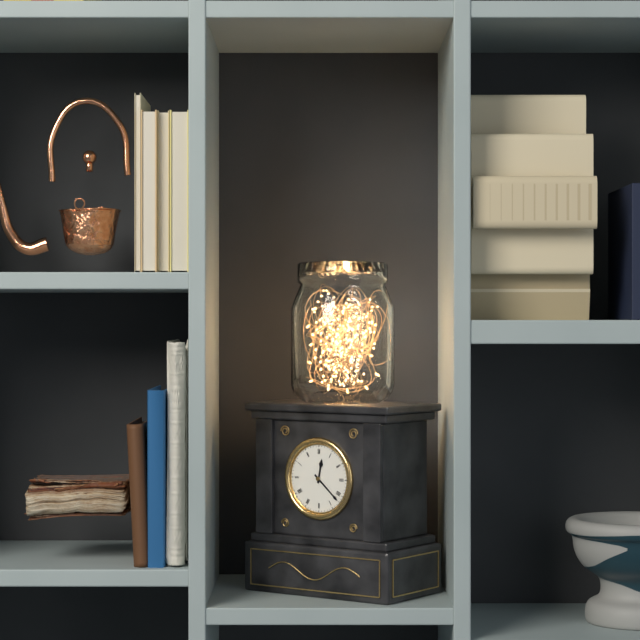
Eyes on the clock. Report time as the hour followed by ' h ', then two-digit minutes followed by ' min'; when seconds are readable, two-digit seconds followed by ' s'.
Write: 12 h 22 min
